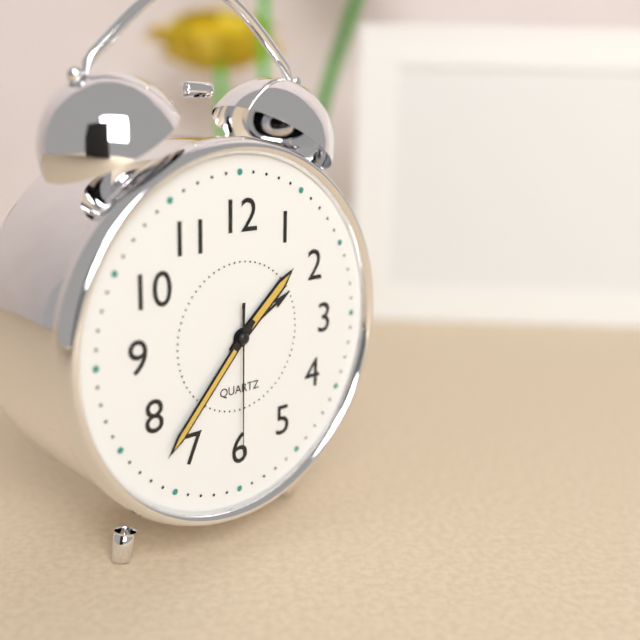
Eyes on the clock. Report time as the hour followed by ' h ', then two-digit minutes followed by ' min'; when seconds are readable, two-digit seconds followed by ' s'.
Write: 1 h 37 min 30 s
